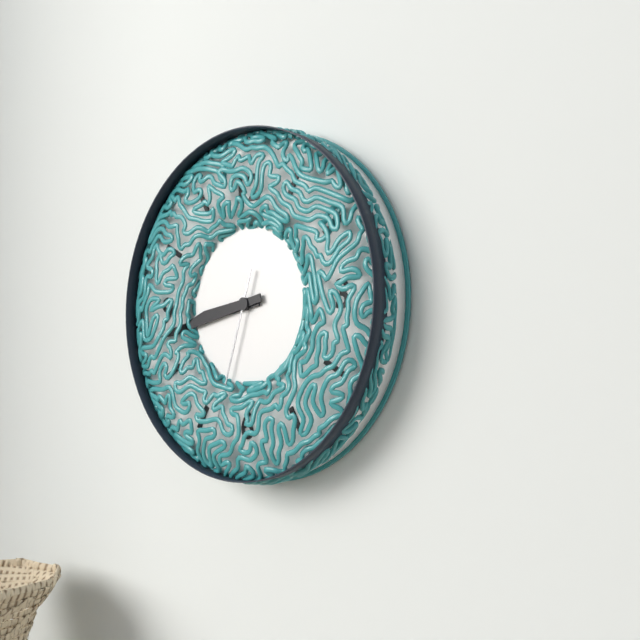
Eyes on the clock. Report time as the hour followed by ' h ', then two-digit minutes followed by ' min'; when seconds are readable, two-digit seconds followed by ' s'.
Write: 8 h 43 min 33 s
